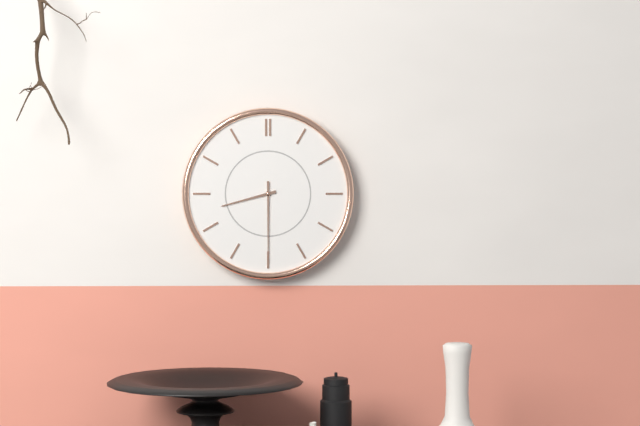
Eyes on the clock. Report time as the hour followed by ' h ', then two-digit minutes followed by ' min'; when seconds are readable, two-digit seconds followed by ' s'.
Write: 8 h 30 min
